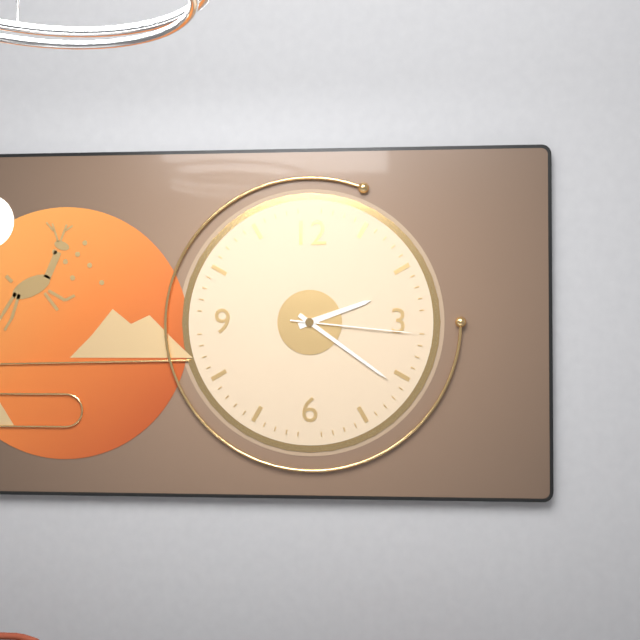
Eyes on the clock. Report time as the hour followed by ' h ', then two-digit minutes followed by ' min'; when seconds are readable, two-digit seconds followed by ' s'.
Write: 2 h 21 min 16 s
